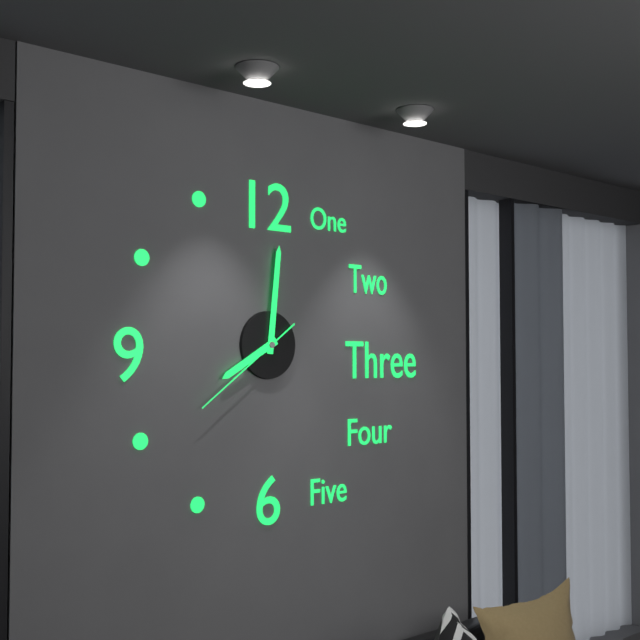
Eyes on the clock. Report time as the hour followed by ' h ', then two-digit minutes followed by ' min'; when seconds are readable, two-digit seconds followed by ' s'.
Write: 8 h 01 min 39 s
